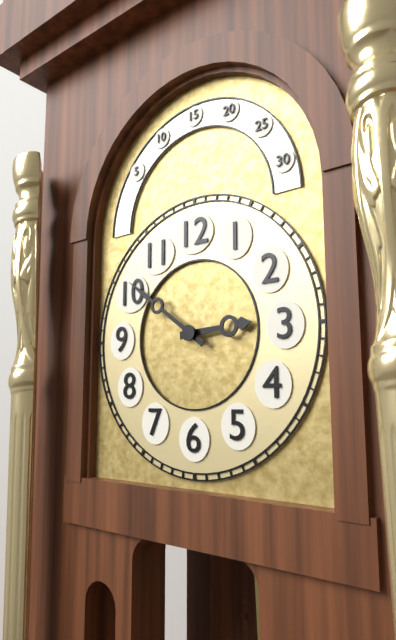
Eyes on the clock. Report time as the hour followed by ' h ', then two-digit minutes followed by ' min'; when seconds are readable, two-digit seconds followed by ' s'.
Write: 2 h 51 min
